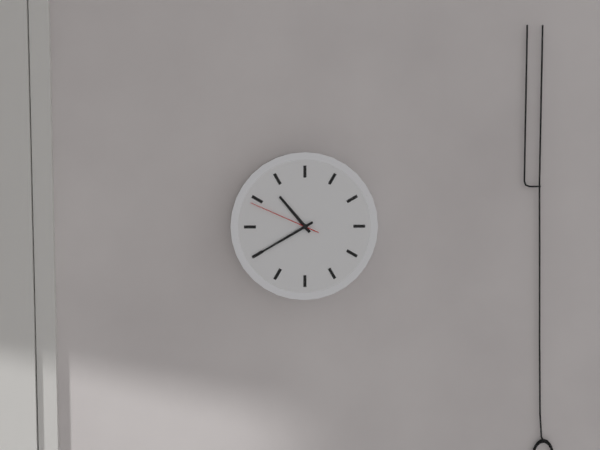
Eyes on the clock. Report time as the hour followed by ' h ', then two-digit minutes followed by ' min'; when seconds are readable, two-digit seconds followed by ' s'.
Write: 10 h 40 min 49 s
